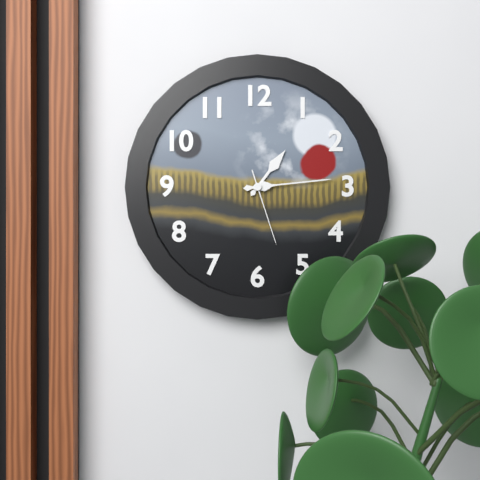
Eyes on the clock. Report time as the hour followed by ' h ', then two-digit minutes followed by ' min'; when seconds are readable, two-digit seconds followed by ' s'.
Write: 1 h 14 min 27 s
